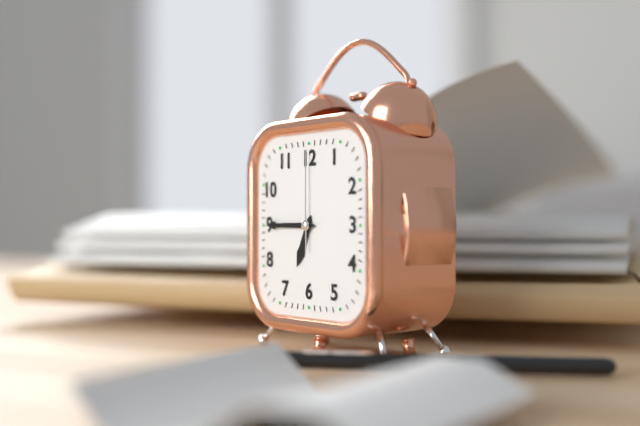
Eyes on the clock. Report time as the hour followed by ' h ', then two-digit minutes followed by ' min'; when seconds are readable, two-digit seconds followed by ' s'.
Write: 6 h 45 min 00 s
